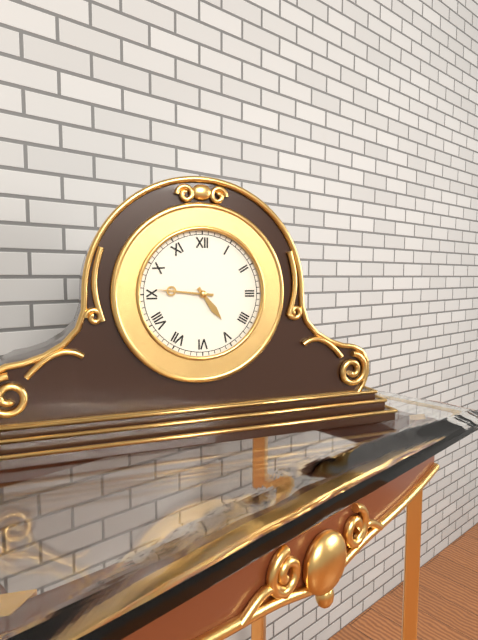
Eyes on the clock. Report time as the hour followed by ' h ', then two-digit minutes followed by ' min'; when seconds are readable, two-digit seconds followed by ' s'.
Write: 4 h 46 min
